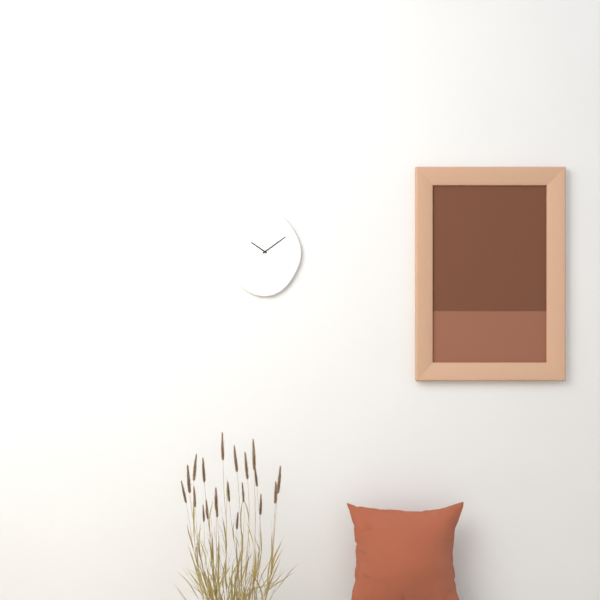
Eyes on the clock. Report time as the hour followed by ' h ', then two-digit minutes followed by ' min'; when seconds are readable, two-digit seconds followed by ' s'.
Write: 10 h 09 min
